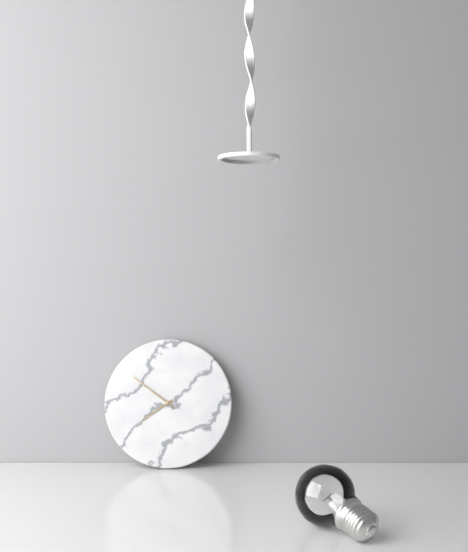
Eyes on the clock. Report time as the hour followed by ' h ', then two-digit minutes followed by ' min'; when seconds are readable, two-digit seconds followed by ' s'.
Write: 7 h 51 min
